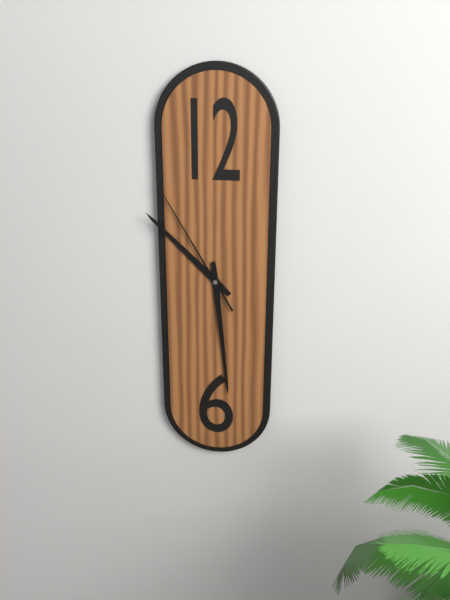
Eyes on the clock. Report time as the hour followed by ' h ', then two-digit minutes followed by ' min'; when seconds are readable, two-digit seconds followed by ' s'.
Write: 10 h 29 min 55 s
